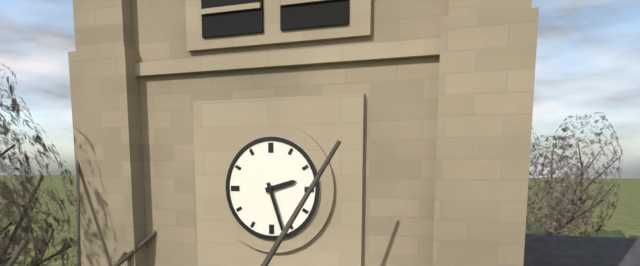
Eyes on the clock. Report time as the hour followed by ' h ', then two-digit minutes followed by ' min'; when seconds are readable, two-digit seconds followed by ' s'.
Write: 2 h 27 min
